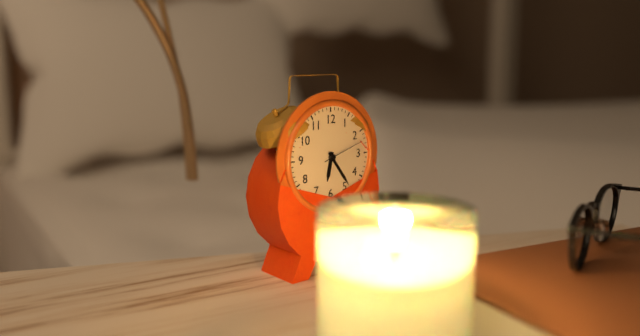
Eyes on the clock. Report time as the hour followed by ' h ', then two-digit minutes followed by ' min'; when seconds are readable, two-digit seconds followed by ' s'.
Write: 6 h 24 min
